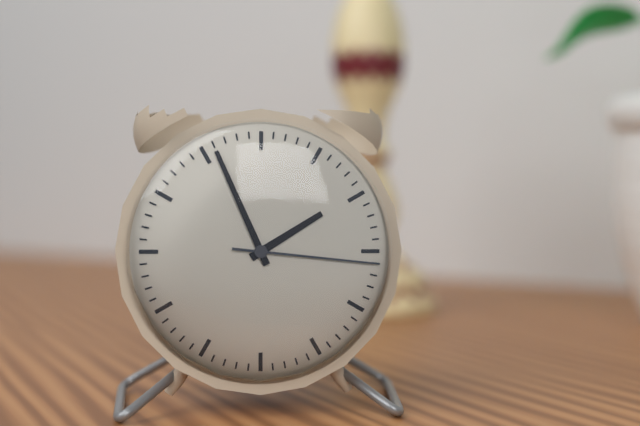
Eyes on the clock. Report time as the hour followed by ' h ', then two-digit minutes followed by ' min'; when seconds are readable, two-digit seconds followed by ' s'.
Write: 1 h 56 min 16 s
